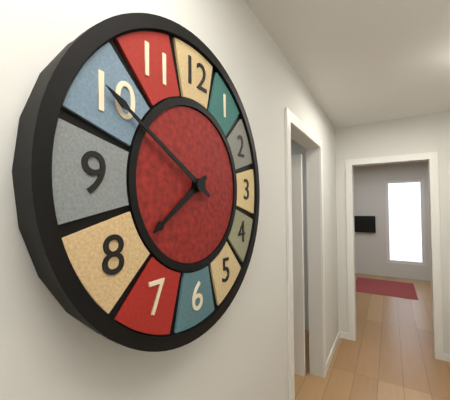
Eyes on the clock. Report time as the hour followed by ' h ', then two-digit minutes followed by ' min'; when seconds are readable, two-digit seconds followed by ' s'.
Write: 7 h 50 min
